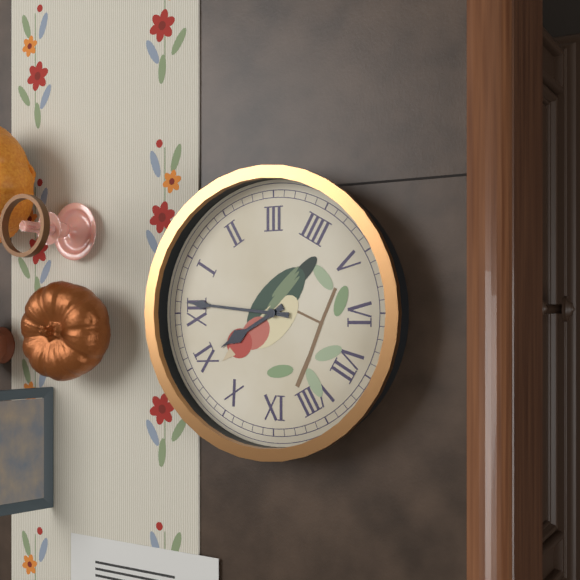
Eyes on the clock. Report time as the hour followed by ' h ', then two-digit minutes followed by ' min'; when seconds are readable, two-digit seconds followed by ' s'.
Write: 11 h 01 min
